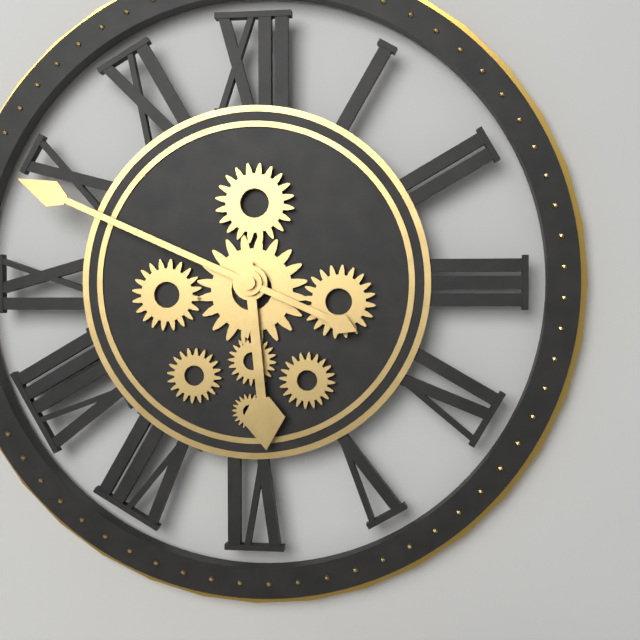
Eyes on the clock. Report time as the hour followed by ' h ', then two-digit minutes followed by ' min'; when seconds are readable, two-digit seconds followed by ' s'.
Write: 5 h 49 min
